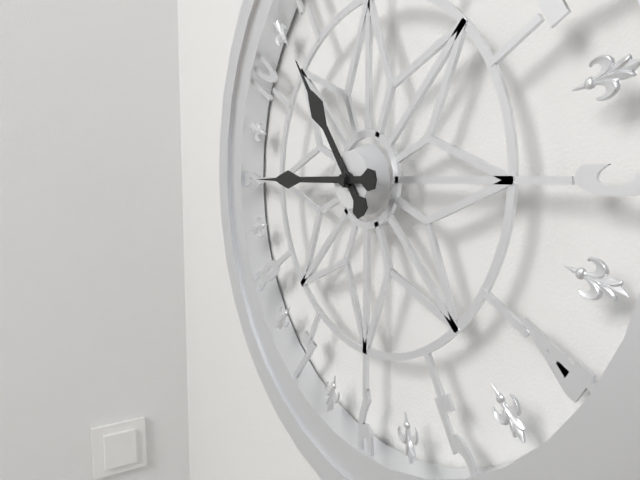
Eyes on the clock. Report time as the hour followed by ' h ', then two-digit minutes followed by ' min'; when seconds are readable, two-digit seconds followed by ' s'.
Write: 10 h 45 min
